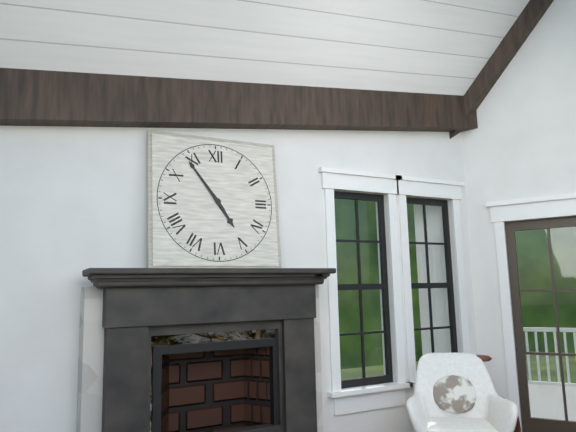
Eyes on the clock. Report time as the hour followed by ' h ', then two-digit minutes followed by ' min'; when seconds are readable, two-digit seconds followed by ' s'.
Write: 4 h 54 min
